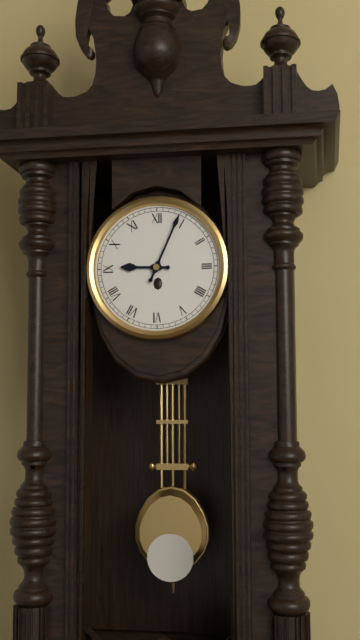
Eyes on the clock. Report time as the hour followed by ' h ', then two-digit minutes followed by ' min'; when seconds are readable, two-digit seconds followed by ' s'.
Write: 9 h 04 min
